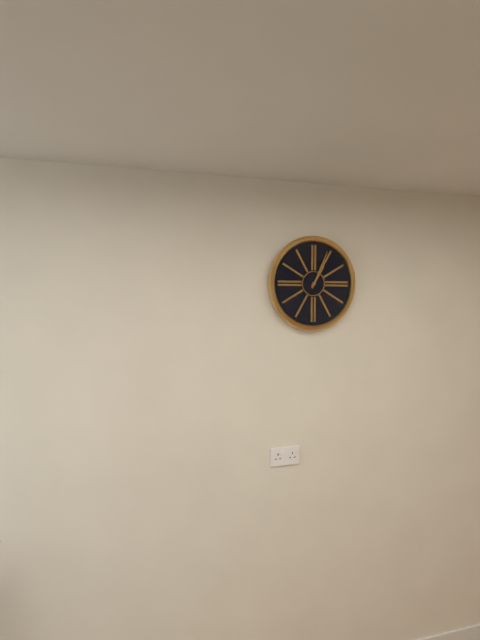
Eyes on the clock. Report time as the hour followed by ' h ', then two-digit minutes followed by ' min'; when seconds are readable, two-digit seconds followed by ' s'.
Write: 1 h 04 min
